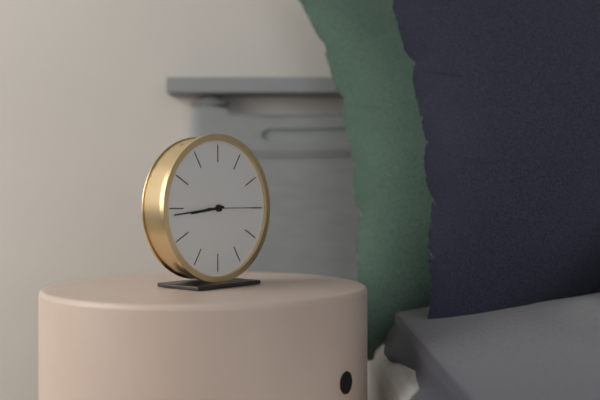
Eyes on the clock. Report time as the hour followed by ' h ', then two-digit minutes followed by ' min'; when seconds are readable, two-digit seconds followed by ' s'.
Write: 8 h 44 min 15 s
